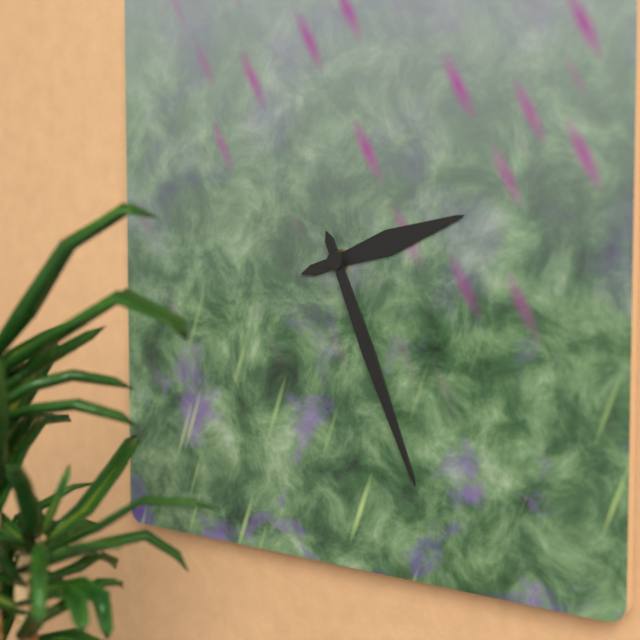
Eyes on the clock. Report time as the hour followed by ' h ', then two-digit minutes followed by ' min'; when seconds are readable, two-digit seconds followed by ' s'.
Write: 2 h 26 min
